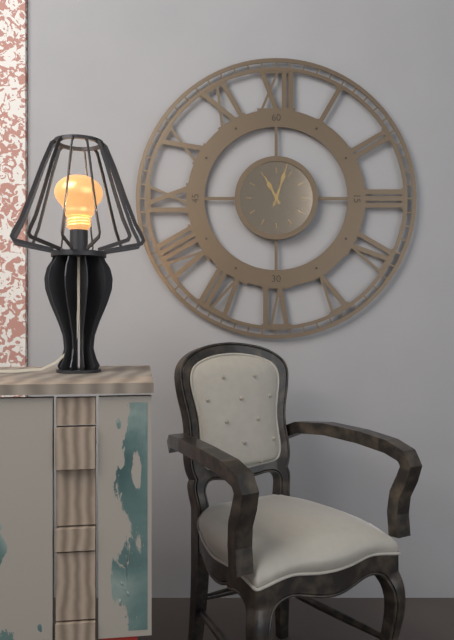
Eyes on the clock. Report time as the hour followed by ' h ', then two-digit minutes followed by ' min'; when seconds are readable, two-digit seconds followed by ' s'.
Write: 11 h 03 min
